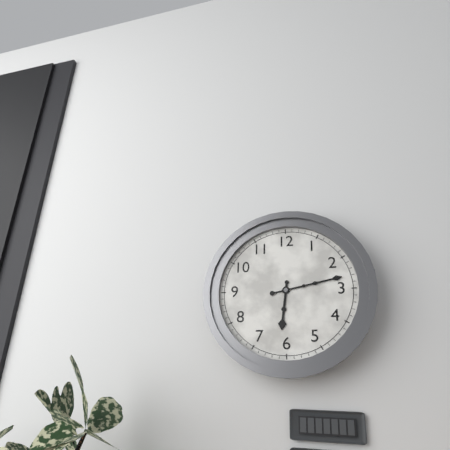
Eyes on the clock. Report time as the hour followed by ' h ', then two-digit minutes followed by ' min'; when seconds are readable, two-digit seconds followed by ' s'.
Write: 6 h 13 min
